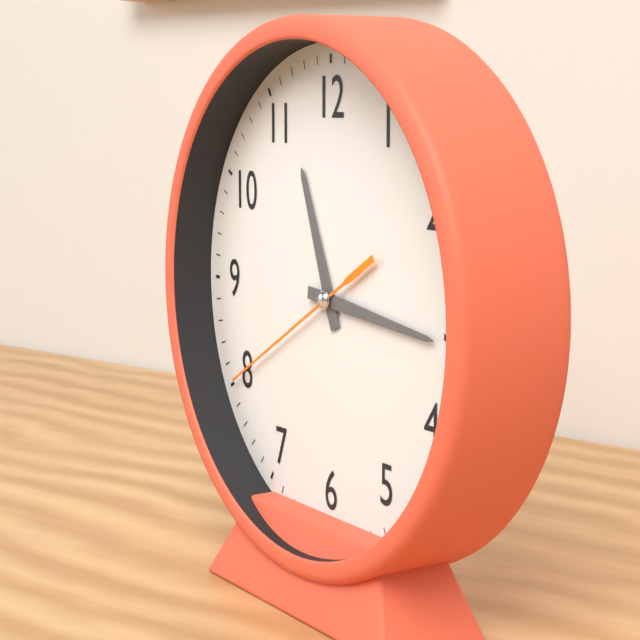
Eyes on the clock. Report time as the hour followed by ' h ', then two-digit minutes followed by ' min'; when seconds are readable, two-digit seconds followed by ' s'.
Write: 11 h 16 min 40 s
